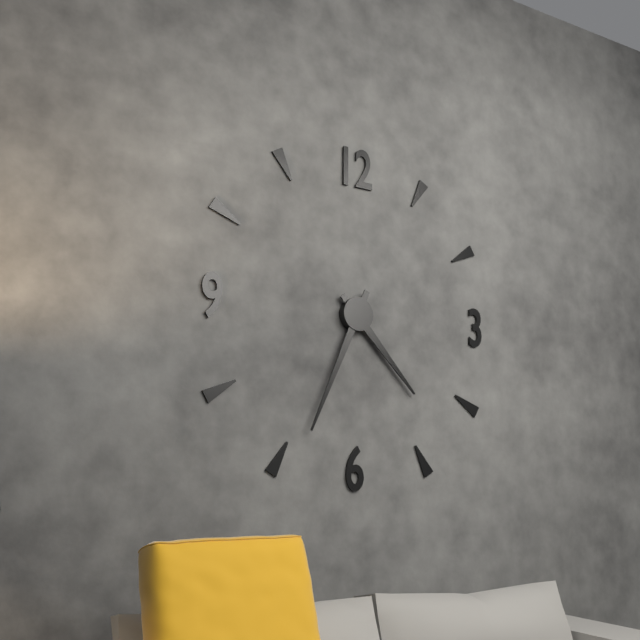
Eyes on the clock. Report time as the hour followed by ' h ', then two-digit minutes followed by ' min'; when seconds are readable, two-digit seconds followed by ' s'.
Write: 4 h 34 min
